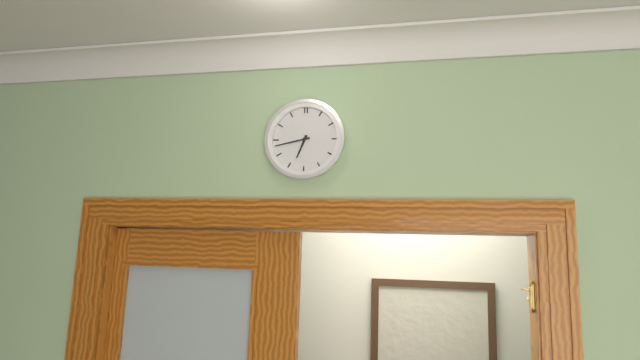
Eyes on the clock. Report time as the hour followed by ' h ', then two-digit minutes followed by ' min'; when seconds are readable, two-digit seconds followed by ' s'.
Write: 6 h 43 min
